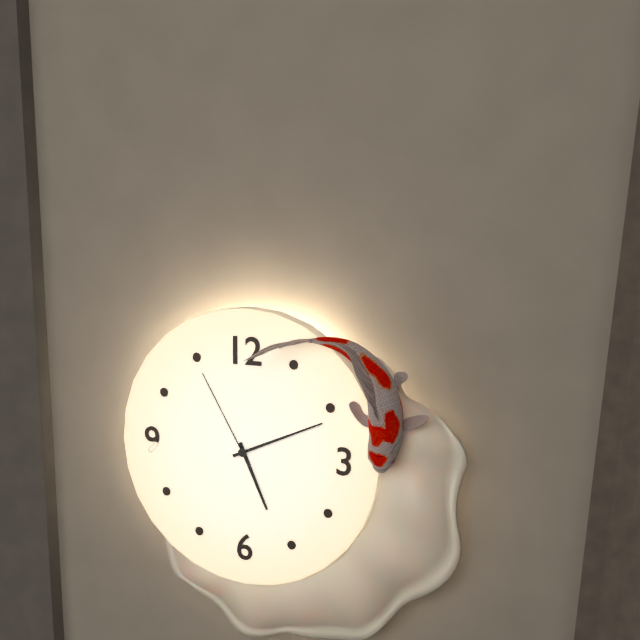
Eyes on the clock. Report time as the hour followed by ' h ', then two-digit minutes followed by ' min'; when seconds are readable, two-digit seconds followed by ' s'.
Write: 5 h 11 min 55 s
